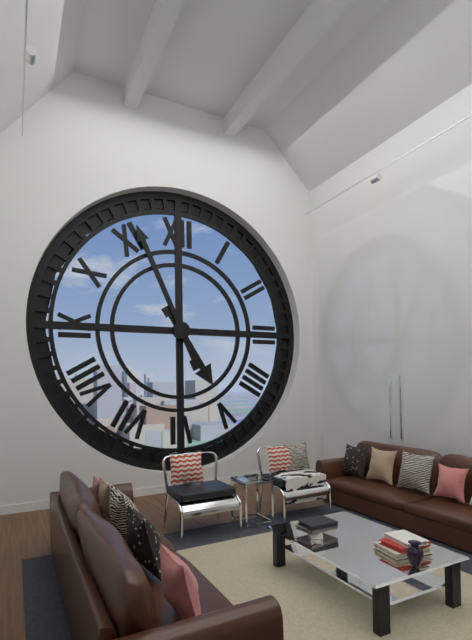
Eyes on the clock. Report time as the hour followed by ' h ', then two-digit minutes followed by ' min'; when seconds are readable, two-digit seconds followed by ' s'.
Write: 4 h 56 min
